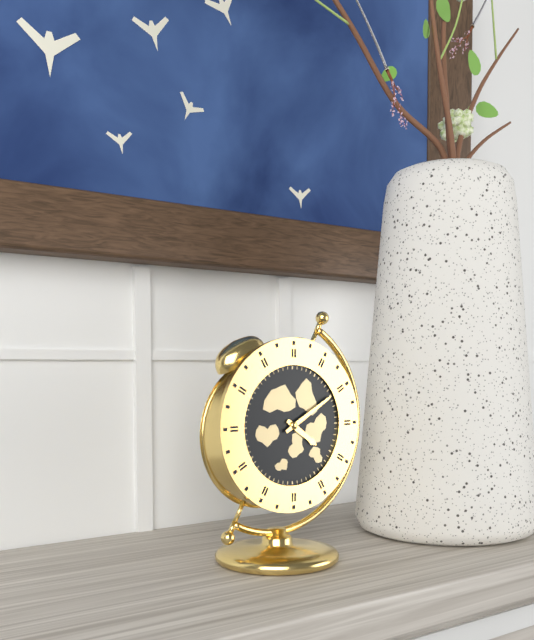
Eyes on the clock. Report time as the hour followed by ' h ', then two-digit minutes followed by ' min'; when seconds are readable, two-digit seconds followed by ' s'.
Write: 4 h 10 min
